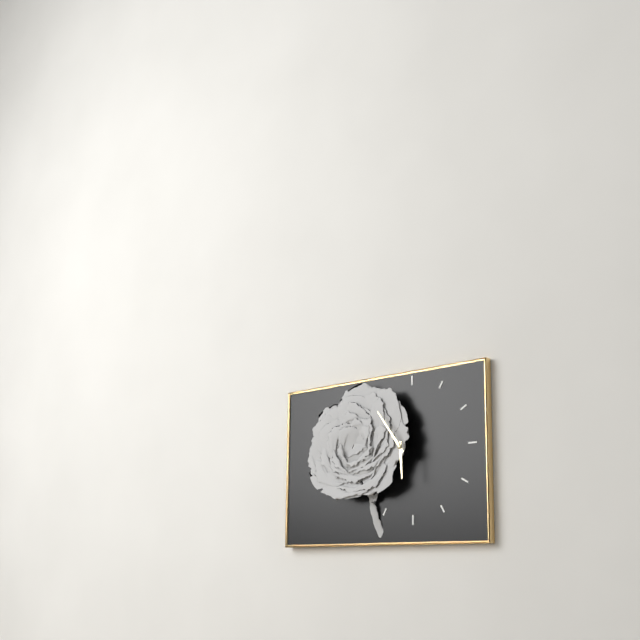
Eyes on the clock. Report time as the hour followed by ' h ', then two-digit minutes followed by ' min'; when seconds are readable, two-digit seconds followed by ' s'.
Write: 5 h 54 min
